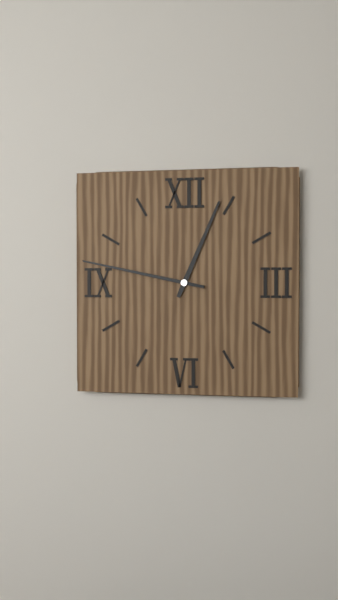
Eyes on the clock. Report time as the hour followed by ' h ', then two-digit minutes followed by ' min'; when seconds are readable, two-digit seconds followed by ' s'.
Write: 12 h 47 min
